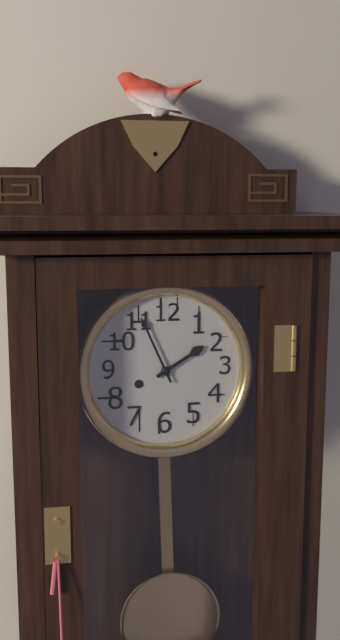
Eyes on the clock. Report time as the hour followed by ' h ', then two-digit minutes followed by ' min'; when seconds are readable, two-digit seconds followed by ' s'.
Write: 1 h 56 min
